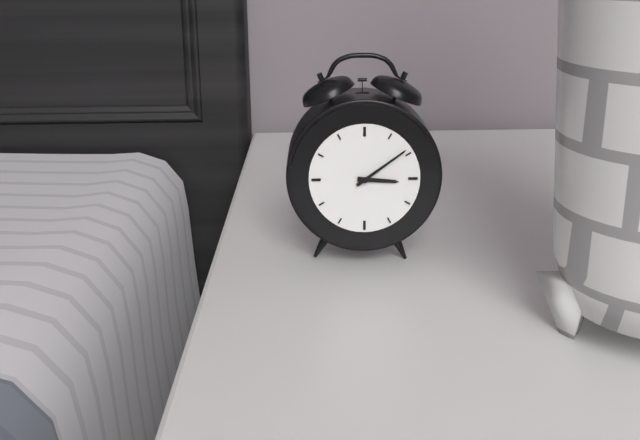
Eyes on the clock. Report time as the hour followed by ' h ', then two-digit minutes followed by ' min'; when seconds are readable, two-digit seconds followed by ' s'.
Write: 3 h 09 min
